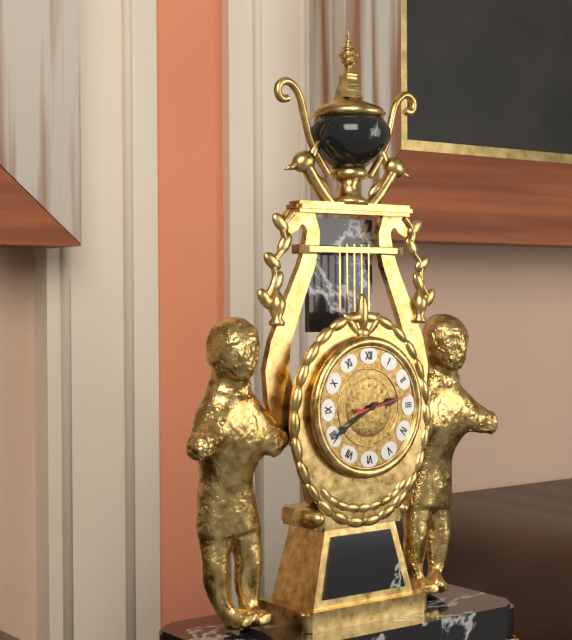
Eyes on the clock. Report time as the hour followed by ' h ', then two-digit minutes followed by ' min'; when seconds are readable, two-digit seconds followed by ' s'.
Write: 2 h 40 min
